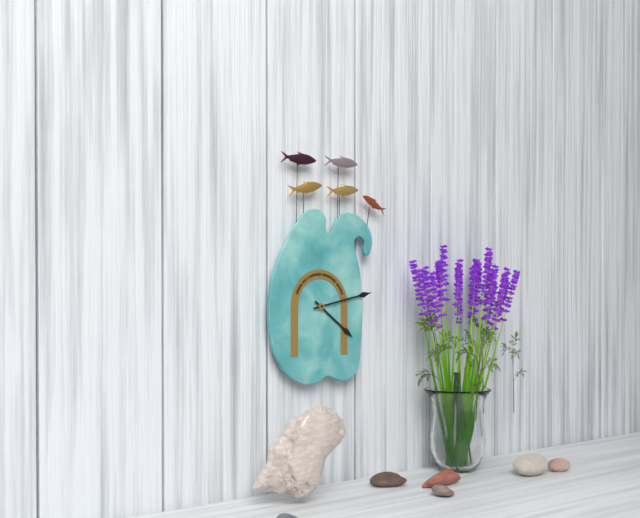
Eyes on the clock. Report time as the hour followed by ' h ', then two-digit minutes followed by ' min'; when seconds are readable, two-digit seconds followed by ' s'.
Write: 4 h 13 min
